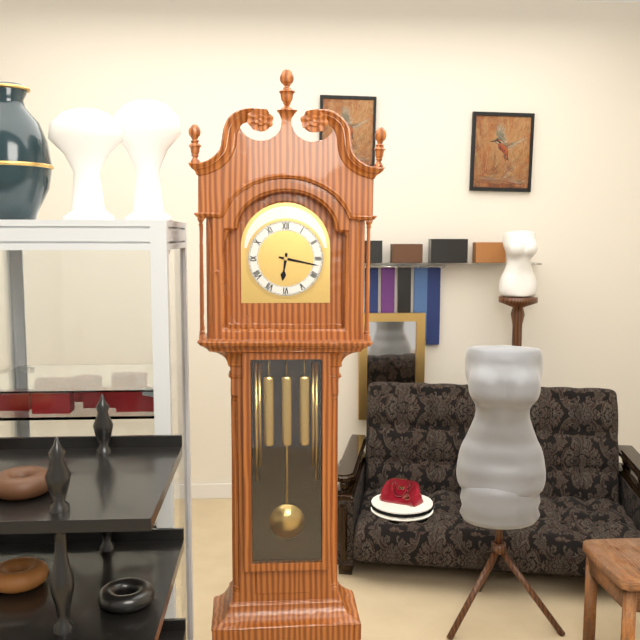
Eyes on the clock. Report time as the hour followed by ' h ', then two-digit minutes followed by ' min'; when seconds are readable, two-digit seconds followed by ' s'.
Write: 6 h 17 min
